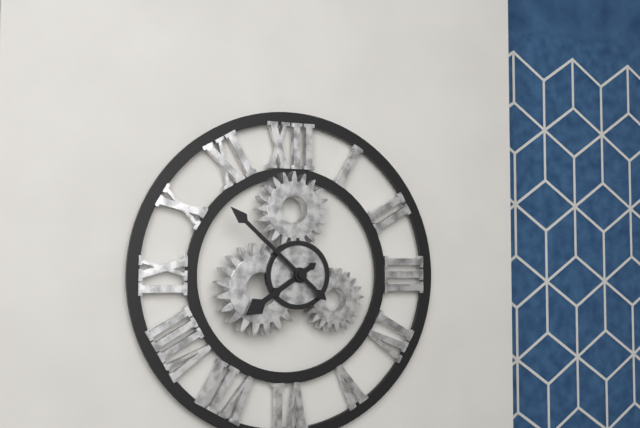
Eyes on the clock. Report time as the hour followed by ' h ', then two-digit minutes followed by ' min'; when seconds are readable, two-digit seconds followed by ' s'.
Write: 7 h 52 min
